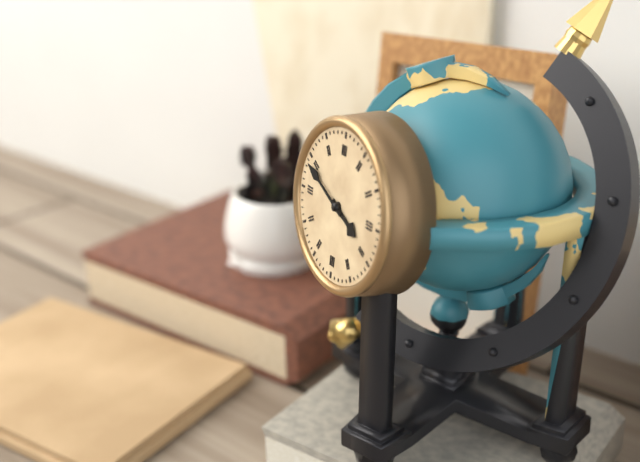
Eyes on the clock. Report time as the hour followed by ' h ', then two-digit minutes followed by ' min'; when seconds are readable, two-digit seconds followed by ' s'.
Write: 3 h 49 min
